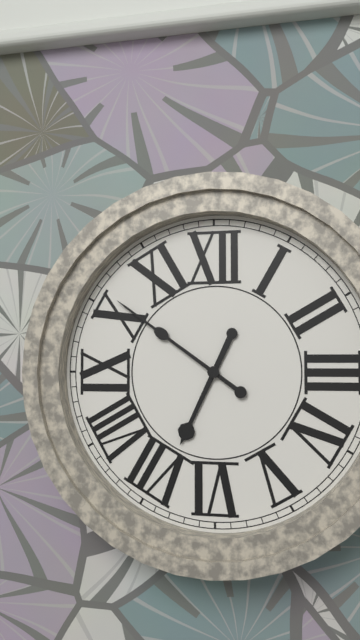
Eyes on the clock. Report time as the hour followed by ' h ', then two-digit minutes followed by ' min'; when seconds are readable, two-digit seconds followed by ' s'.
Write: 6 h 51 min
